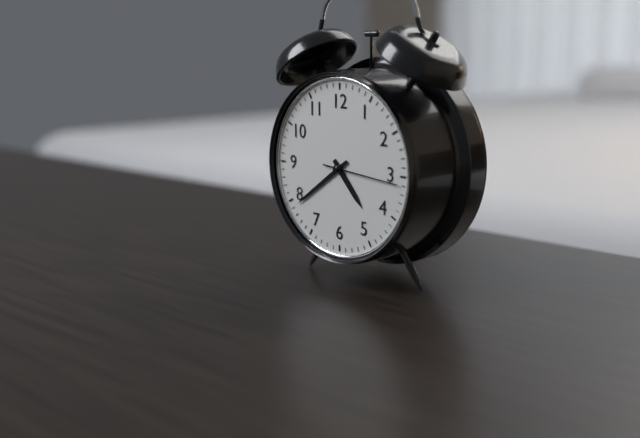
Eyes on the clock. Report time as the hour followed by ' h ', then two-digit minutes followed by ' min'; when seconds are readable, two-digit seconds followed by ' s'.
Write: 4 h 39 min 16 s
